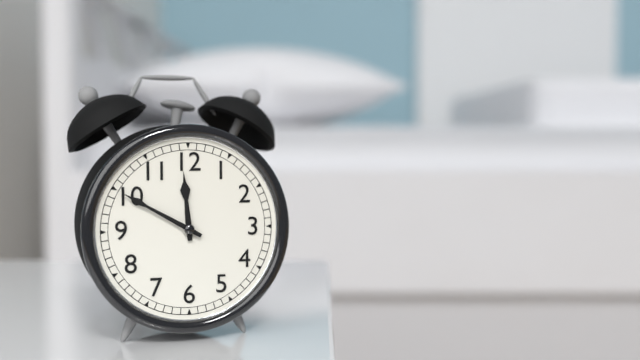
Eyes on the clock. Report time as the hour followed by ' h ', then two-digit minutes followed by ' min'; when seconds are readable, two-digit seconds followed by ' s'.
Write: 11 h 50 min
